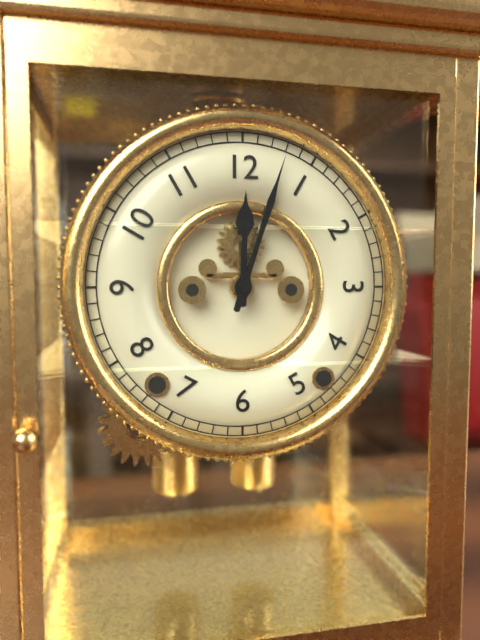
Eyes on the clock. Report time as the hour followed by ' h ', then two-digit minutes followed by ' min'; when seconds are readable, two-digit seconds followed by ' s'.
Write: 12 h 03 min
